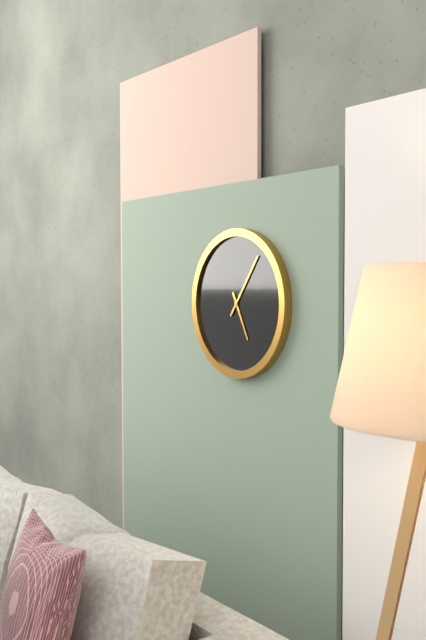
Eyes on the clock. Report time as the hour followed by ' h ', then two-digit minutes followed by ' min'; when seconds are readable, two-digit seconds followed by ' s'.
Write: 5 h 06 min
